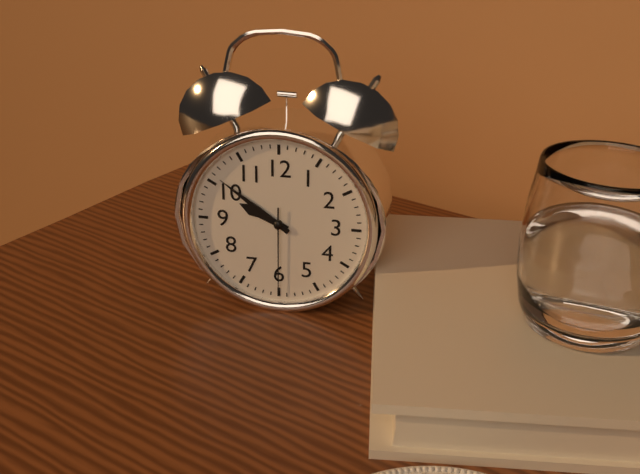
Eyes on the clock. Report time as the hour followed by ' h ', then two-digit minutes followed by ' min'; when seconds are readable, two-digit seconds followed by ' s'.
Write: 9 h 51 min 30 s
